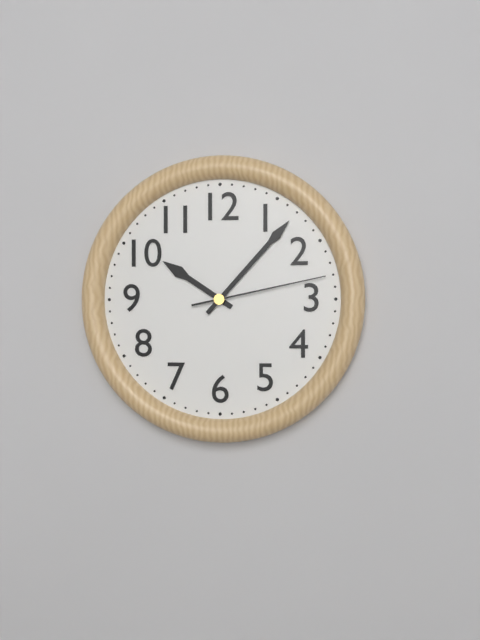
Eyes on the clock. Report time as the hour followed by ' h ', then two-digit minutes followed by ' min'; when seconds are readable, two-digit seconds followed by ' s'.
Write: 10 h 07 min 13 s
